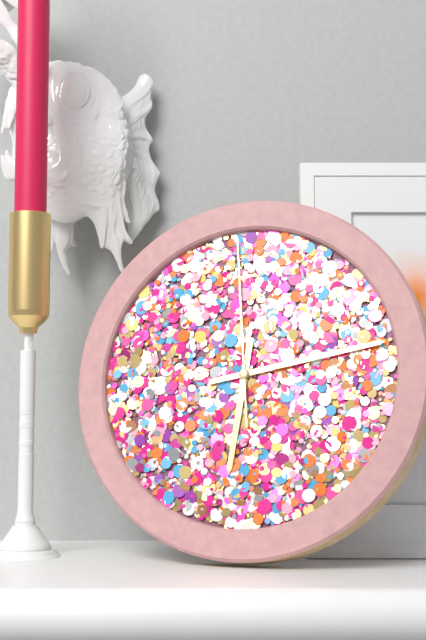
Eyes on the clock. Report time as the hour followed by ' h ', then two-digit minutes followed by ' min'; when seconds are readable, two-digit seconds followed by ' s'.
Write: 6 h 13 min 59 s
